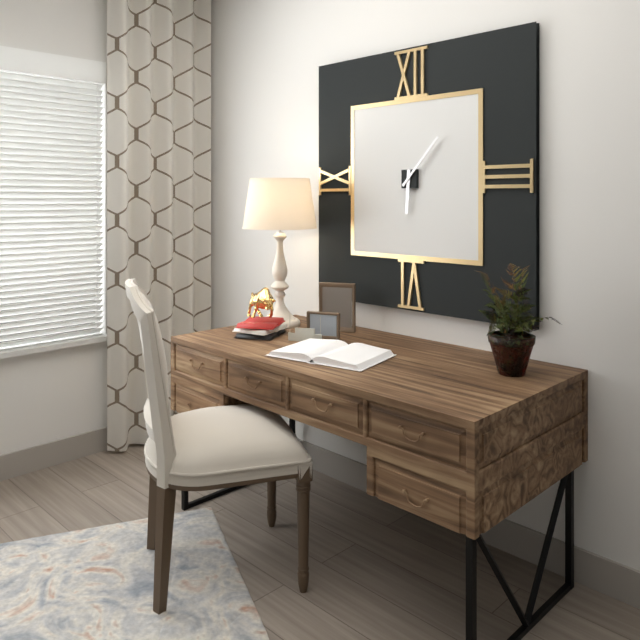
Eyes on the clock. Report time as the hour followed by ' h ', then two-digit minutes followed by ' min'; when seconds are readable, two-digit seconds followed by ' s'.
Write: 6 h 07 min
